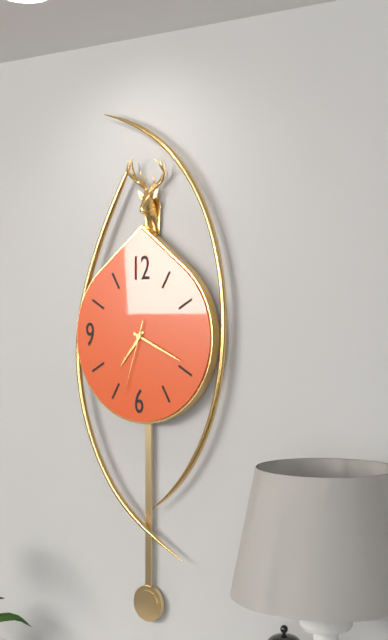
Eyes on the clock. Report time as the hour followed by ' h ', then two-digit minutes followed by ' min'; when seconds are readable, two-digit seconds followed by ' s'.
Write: 7 h 19 min 33 s
